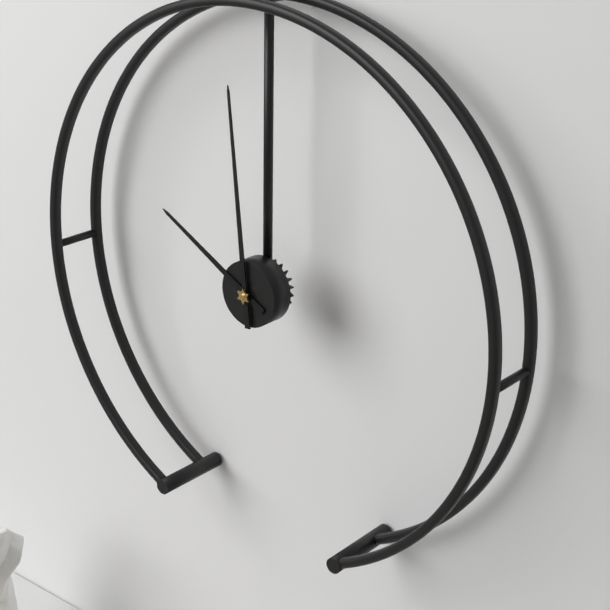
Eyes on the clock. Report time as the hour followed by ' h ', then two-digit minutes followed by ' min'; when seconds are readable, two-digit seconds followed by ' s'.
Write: 9 h 59 min
